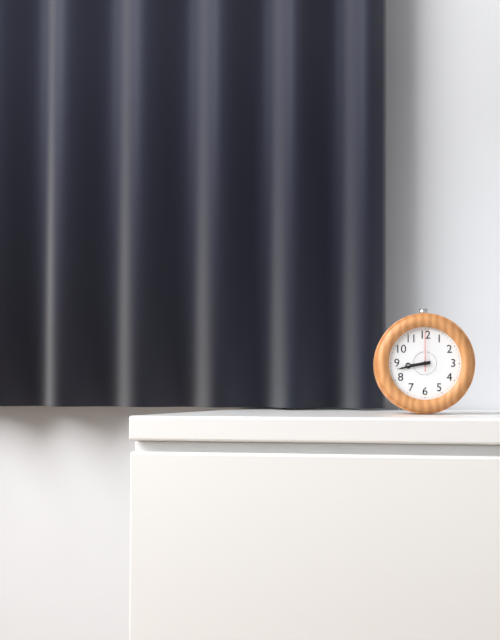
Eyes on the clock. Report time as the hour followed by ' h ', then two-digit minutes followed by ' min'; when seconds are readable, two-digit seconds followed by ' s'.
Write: 8 h 43 min
